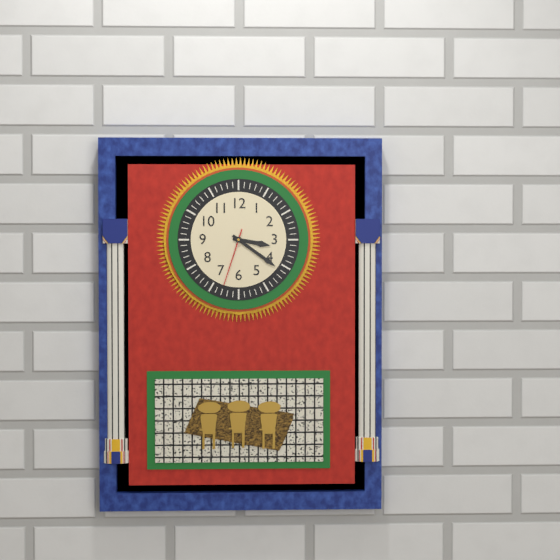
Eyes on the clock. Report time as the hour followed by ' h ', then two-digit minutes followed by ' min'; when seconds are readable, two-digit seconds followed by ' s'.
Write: 3 h 21 min 33 s
